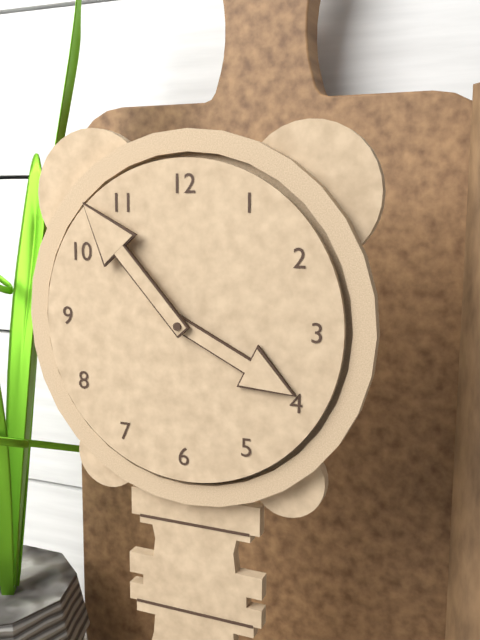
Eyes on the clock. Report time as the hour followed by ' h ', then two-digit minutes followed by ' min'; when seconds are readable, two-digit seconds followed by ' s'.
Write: 3 h 53 min
